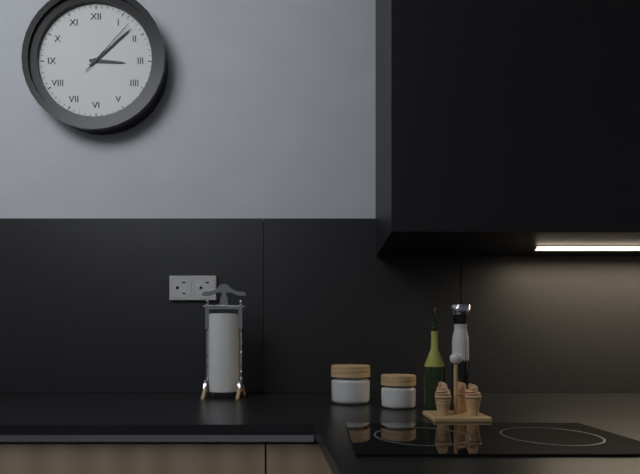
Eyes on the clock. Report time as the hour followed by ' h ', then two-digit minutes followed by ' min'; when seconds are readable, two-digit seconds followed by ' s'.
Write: 3 h 08 min 07 s
